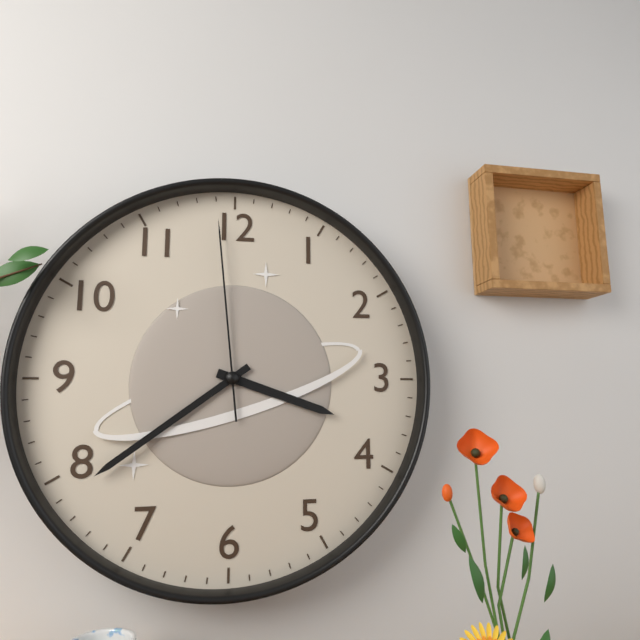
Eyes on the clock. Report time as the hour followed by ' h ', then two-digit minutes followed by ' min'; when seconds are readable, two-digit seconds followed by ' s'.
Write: 3 h 39 min 59 s
